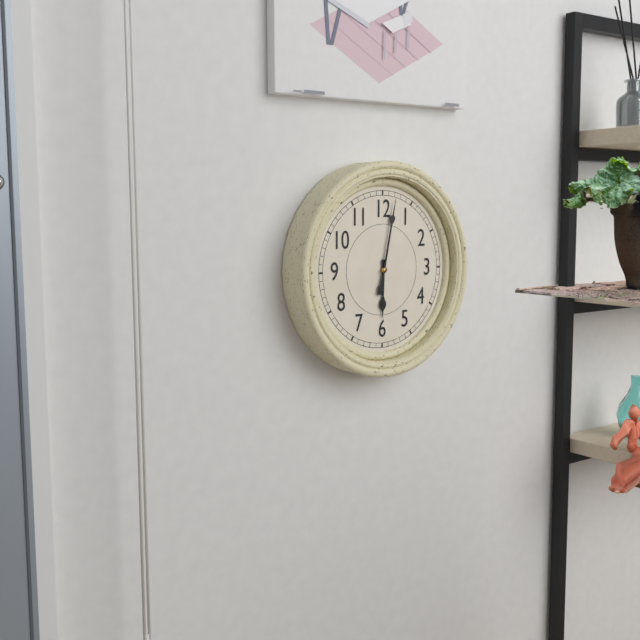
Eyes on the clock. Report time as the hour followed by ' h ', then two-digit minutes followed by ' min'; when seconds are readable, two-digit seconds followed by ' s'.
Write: 6 h 02 min
